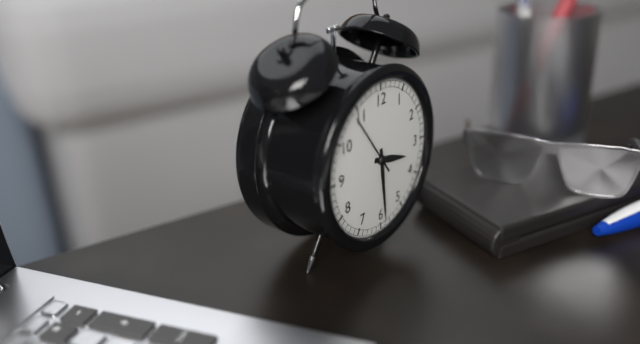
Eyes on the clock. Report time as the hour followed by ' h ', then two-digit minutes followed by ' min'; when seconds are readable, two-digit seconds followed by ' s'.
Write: 3 h 29 min 54 s
